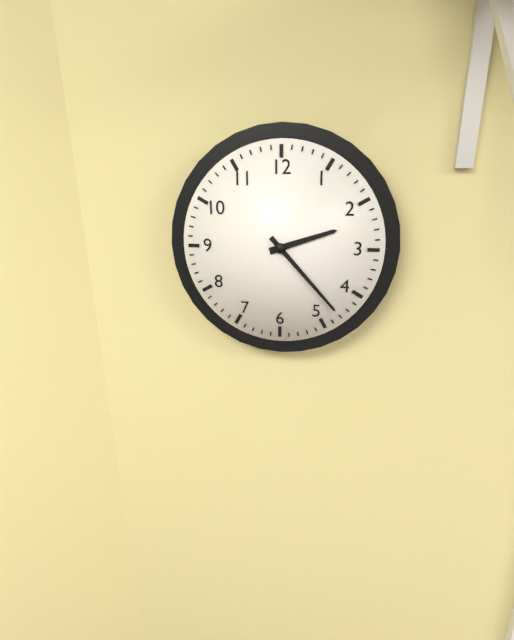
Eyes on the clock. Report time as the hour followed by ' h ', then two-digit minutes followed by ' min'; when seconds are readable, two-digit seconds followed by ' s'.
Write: 2 h 23 min
